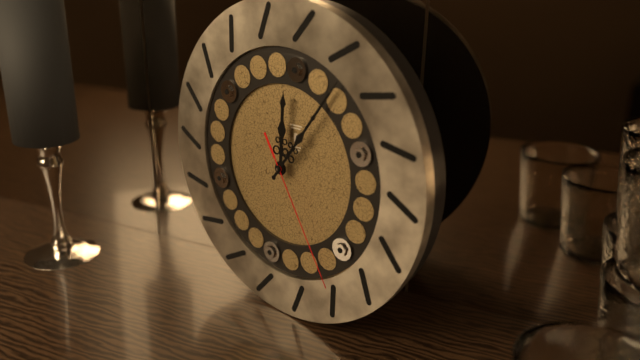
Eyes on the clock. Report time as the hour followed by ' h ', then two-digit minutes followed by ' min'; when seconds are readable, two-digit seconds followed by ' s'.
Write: 12 h 06 min 25 s
